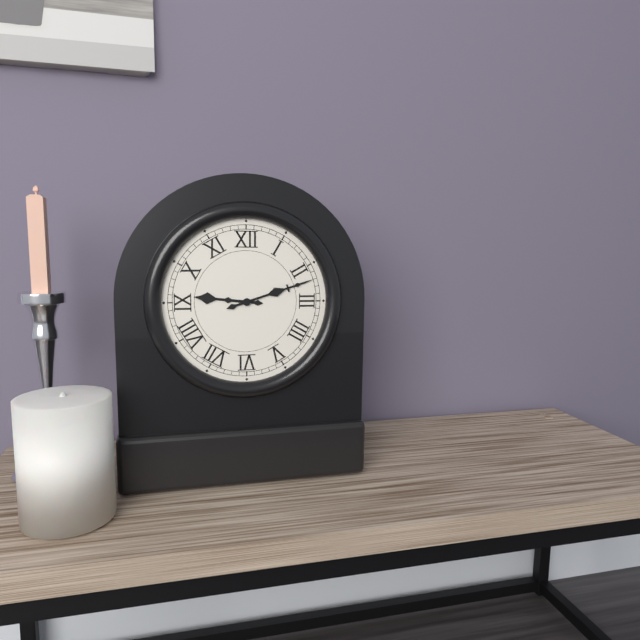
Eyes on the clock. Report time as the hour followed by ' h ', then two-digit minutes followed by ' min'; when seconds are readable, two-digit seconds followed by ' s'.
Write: 9 h 12 min
